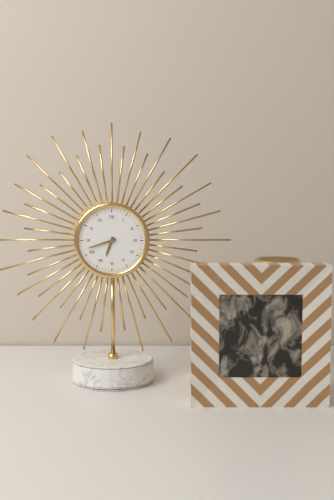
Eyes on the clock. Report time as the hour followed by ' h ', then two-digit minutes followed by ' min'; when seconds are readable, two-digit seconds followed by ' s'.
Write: 6 h 42 min
